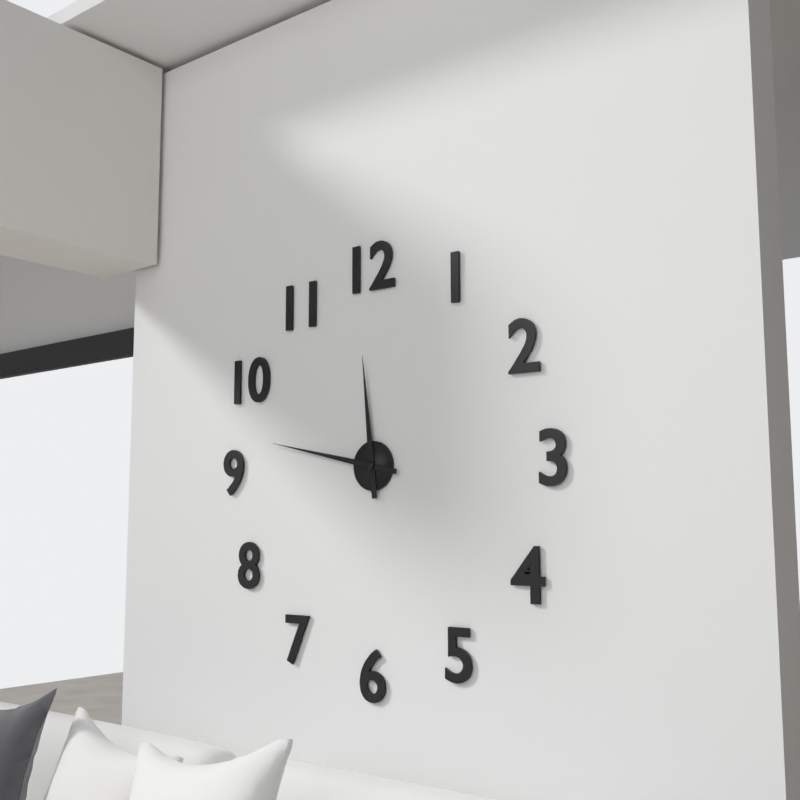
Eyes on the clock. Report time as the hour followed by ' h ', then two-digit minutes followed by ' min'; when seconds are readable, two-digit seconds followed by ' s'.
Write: 11 h 47 min
